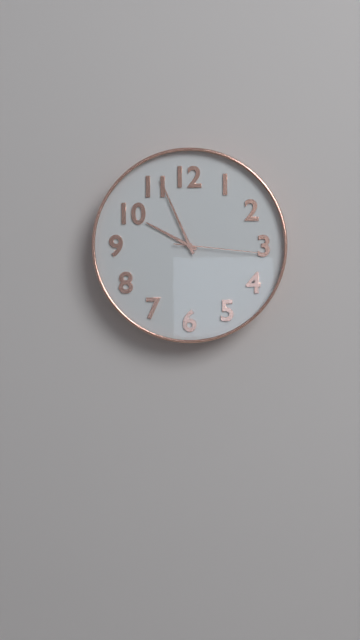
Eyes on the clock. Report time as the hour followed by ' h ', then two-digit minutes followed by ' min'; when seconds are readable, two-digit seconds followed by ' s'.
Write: 9 h 56 min 16 s
